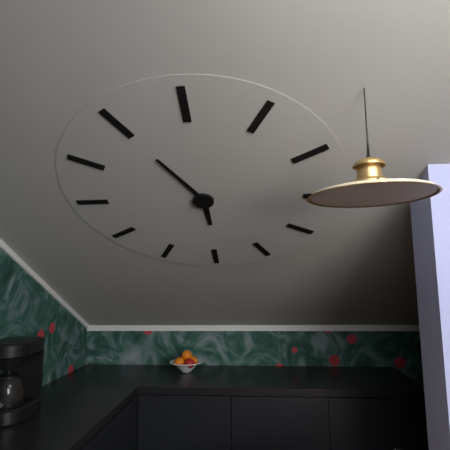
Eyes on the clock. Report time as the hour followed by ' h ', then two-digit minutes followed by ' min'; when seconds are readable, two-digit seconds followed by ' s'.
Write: 5 h 55 min
